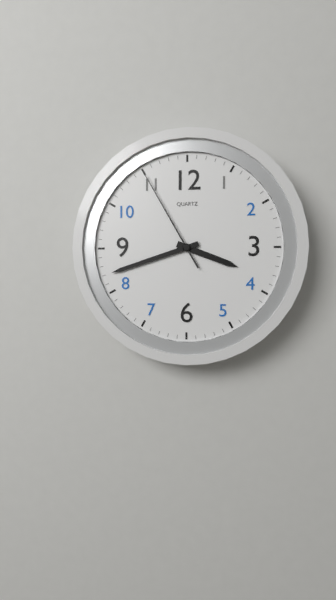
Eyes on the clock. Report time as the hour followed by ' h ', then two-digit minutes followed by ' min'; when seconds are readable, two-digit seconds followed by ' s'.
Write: 3 h 42 min 55 s
